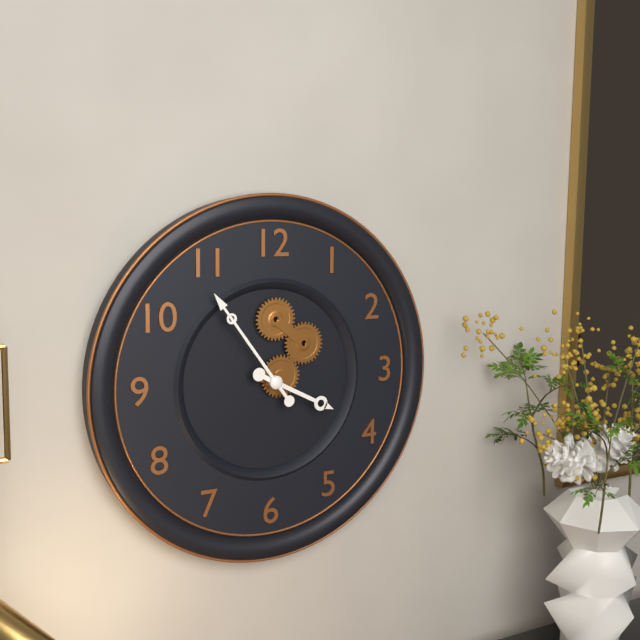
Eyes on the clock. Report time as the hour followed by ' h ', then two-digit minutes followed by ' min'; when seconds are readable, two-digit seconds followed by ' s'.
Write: 3 h 54 min
